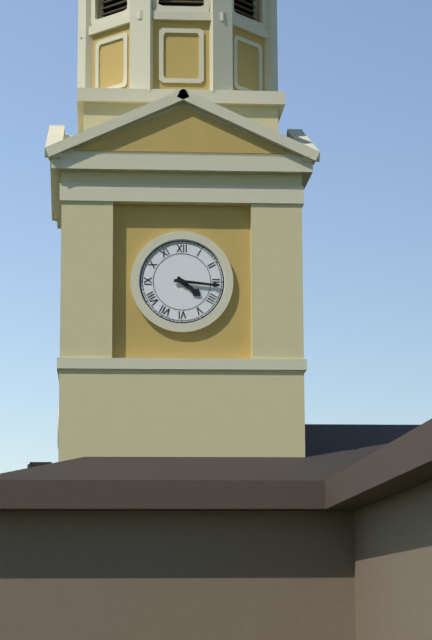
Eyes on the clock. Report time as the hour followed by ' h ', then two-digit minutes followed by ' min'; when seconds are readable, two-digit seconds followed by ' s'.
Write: 4 h 16 min
